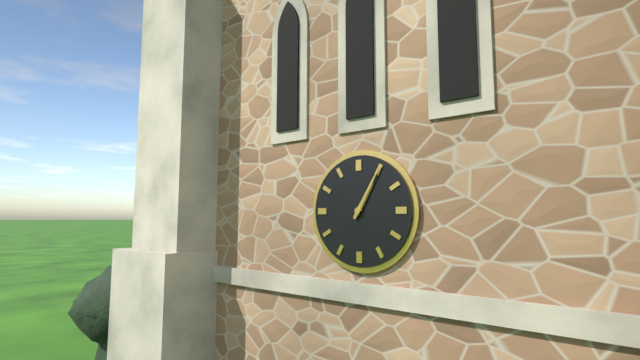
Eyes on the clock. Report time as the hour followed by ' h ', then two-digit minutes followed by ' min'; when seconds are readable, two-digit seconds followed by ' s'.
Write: 1 h 05 min
